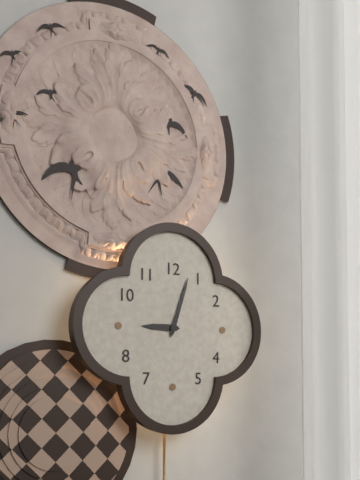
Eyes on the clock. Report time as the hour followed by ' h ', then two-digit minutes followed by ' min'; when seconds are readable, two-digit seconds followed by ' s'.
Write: 9 h 03 min
